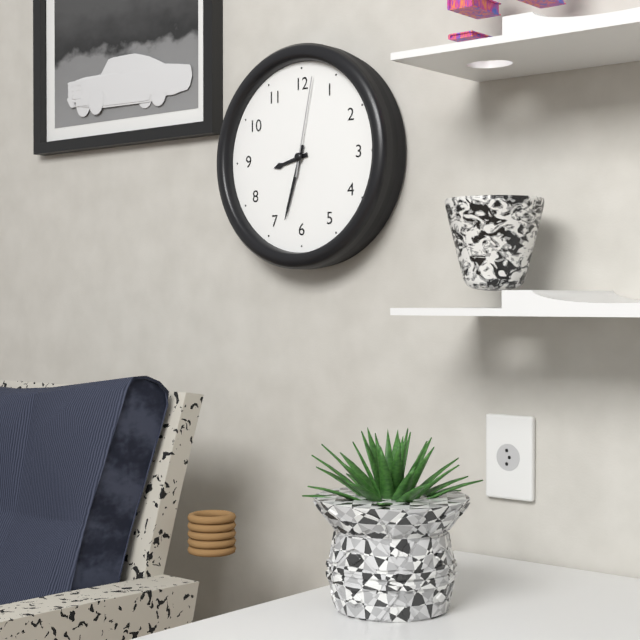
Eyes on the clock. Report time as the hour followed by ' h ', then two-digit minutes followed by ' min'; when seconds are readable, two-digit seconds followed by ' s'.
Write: 8 h 33 min 02 s
